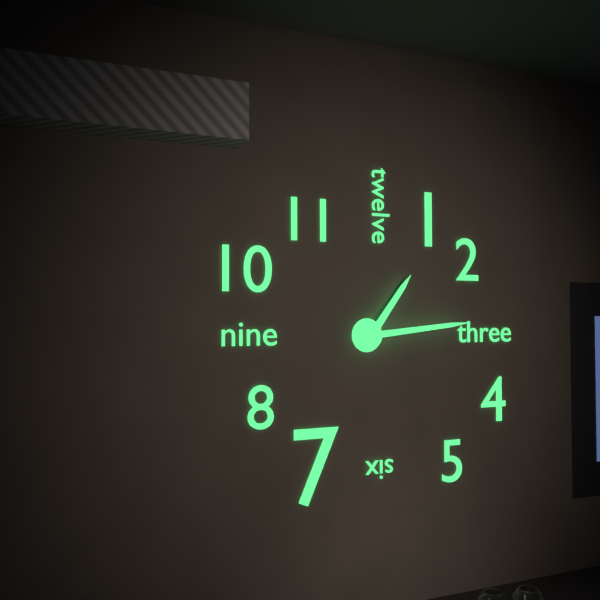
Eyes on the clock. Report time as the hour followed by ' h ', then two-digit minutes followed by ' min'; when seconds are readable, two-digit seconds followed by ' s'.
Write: 1 h 14 min
